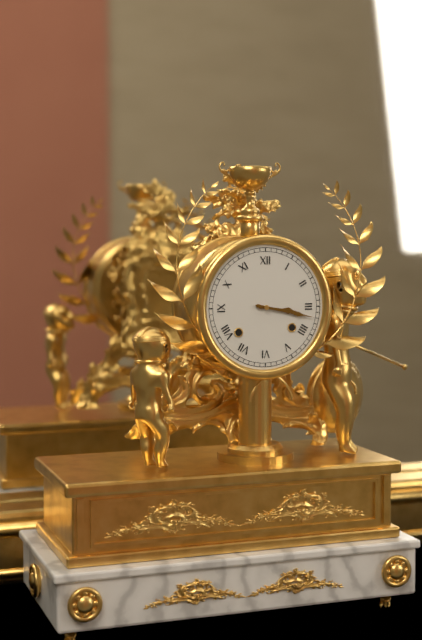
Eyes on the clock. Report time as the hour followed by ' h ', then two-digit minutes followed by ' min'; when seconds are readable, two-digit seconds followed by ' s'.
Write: 3 h 17 min
